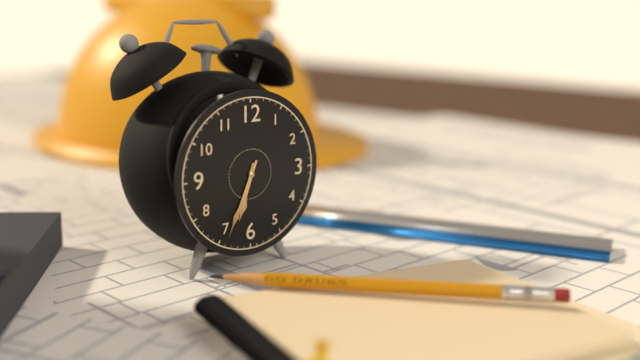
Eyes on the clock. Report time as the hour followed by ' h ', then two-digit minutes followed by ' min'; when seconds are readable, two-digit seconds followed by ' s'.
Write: 6 h 34 min
